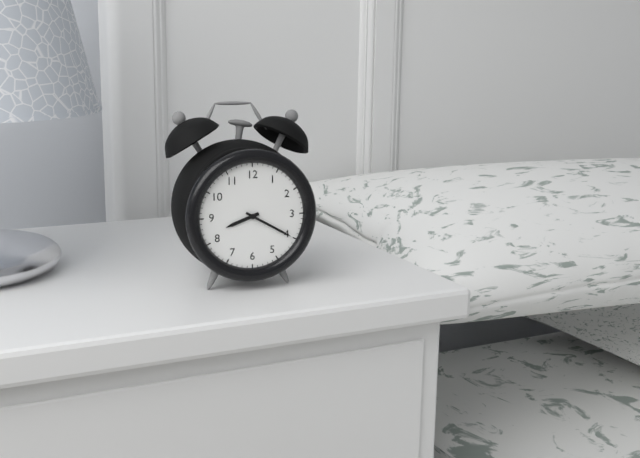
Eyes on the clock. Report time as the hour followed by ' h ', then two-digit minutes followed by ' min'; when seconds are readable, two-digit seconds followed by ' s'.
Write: 8 h 20 min
